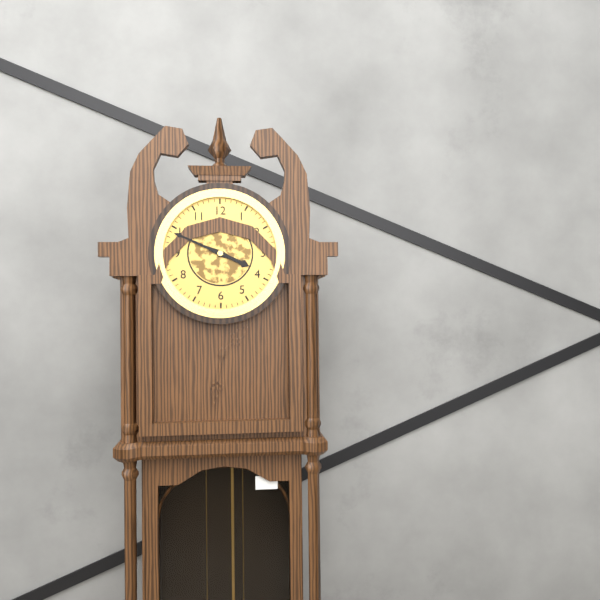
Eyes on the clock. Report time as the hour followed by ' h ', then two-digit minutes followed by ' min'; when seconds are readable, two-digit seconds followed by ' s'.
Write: 3 h 49 min
